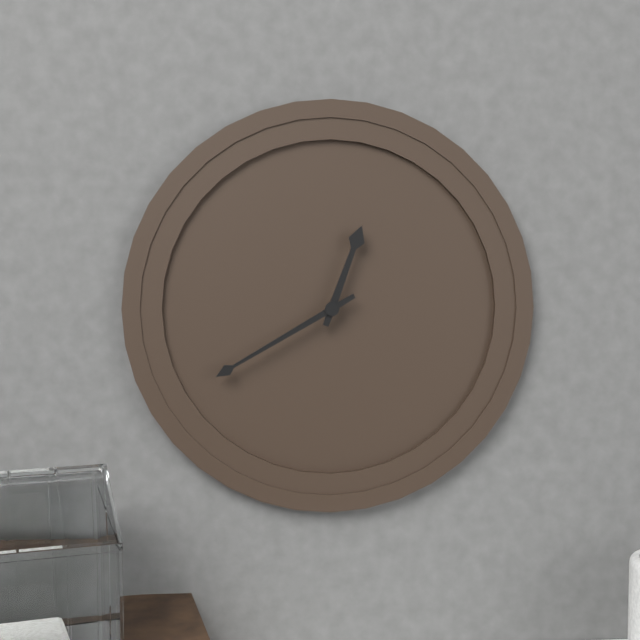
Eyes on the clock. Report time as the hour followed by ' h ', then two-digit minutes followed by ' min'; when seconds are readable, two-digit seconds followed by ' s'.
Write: 12 h 40 min
